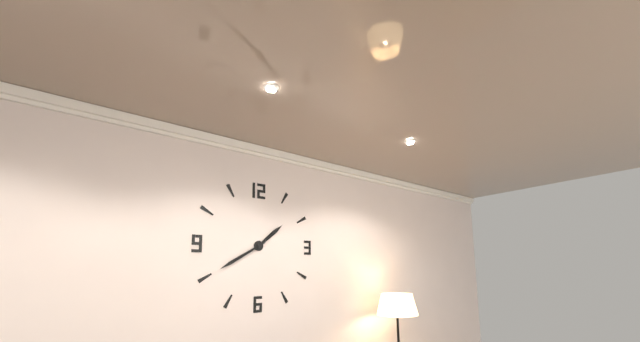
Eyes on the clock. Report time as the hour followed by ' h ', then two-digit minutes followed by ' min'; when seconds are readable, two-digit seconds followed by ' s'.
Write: 1 h 40 min
